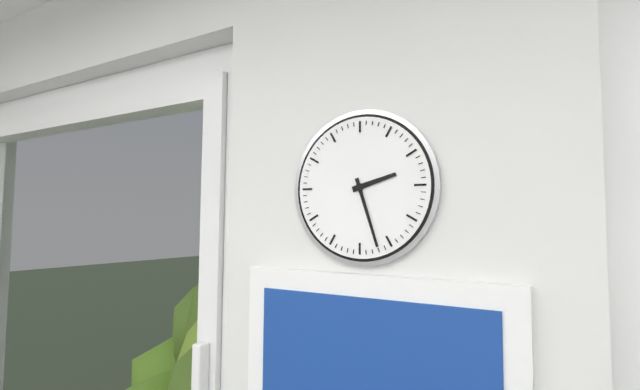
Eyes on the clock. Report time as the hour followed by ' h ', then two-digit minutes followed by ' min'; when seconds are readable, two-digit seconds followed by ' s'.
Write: 2 h 27 min
